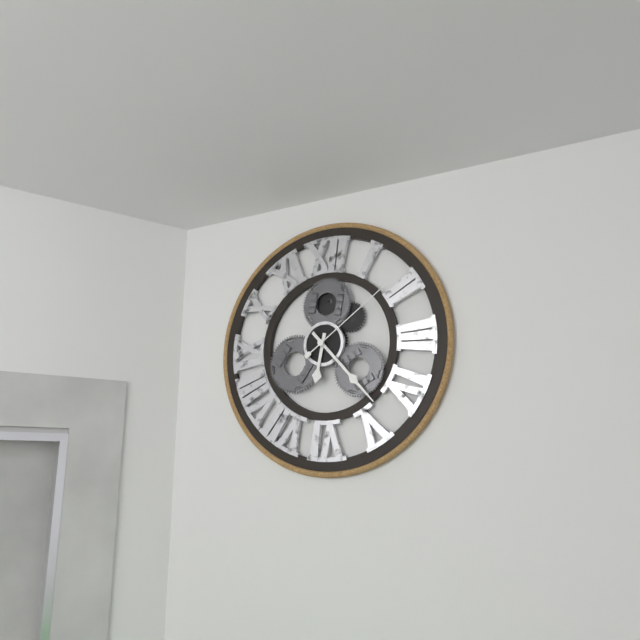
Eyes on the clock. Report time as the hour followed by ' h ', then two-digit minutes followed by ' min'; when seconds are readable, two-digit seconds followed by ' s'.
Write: 6 h 23 min 09 s
